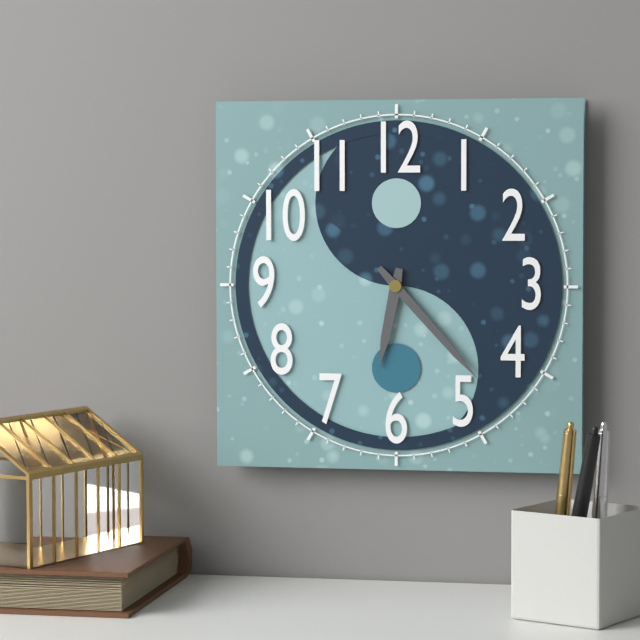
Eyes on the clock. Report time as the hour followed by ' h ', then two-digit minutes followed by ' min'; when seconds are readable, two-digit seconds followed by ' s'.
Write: 6 h 23 min
